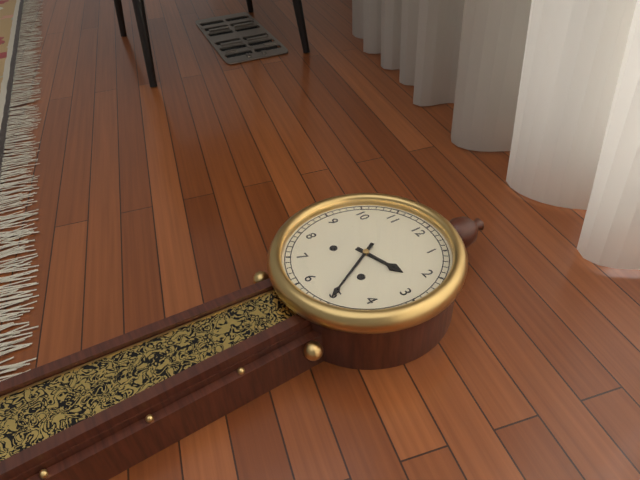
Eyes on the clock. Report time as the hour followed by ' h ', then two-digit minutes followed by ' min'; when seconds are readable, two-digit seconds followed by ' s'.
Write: 2 h 25 min
